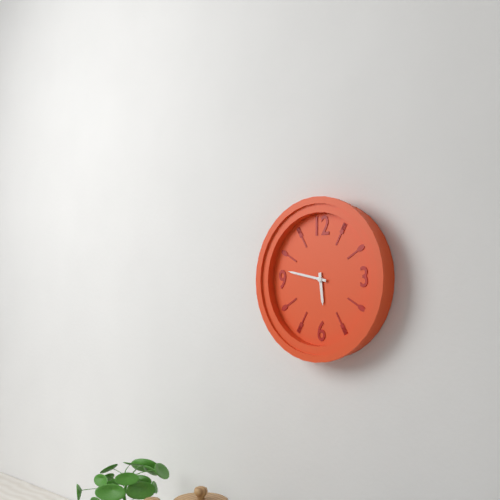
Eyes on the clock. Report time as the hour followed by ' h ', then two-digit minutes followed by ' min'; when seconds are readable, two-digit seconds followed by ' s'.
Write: 5 h 47 min
